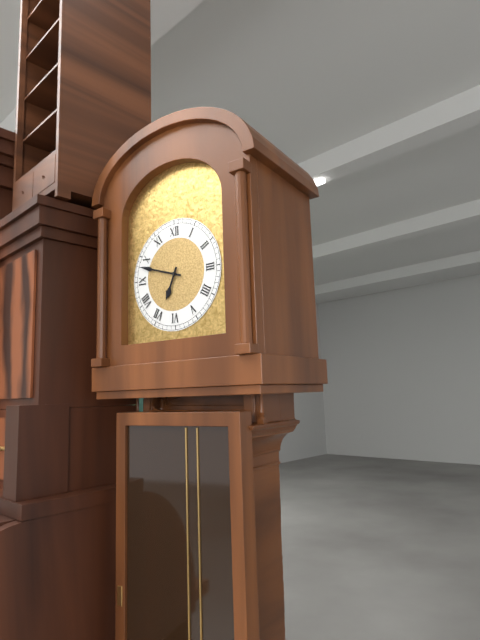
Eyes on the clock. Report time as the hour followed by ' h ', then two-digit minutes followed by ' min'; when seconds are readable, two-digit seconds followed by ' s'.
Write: 6 h 48 min
